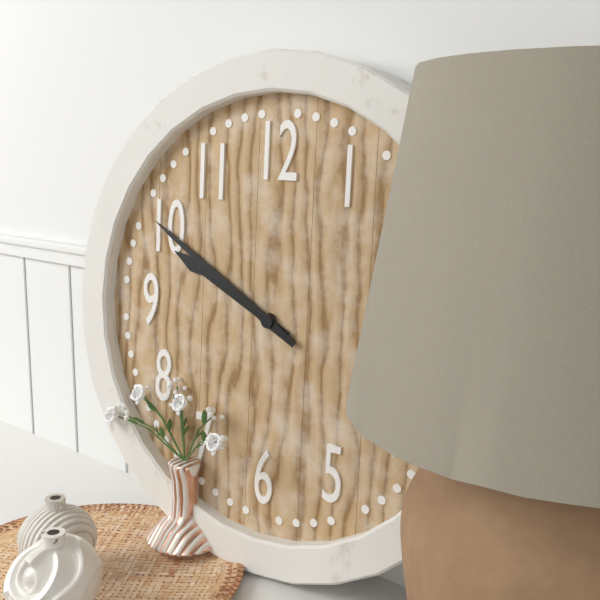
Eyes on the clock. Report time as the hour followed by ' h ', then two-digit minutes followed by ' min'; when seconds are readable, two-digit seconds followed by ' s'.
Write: 9 h 50 min
